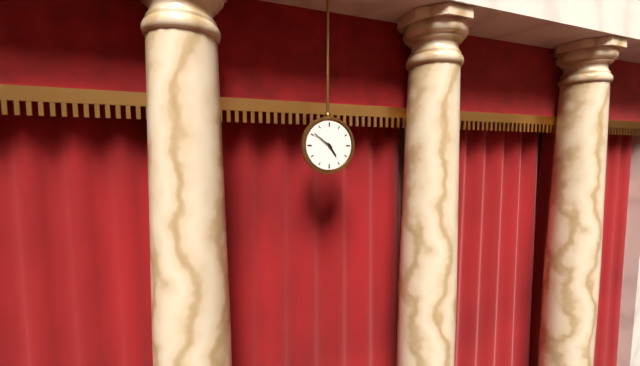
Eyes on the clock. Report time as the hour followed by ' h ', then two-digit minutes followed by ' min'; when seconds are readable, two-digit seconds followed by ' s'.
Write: 4 h 51 min
